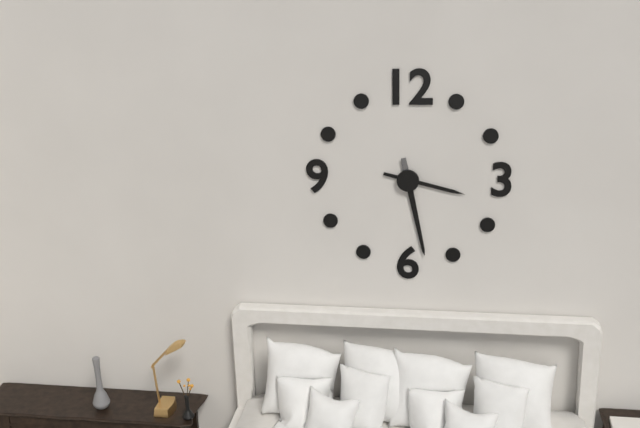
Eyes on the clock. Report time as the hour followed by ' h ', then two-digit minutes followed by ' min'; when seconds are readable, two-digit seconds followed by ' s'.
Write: 3 h 28 min
